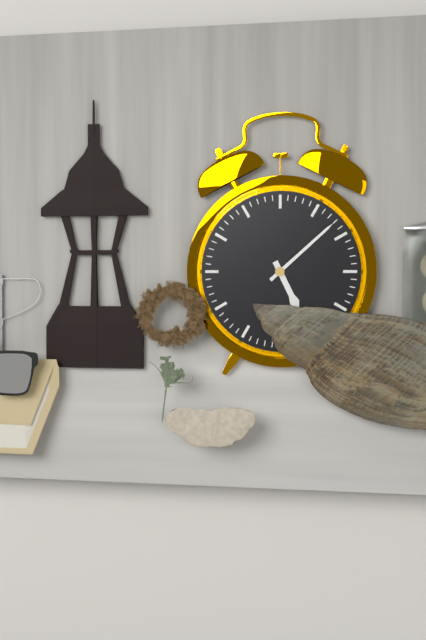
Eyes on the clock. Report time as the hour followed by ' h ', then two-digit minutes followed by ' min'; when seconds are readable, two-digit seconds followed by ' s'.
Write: 5 h 08 min
